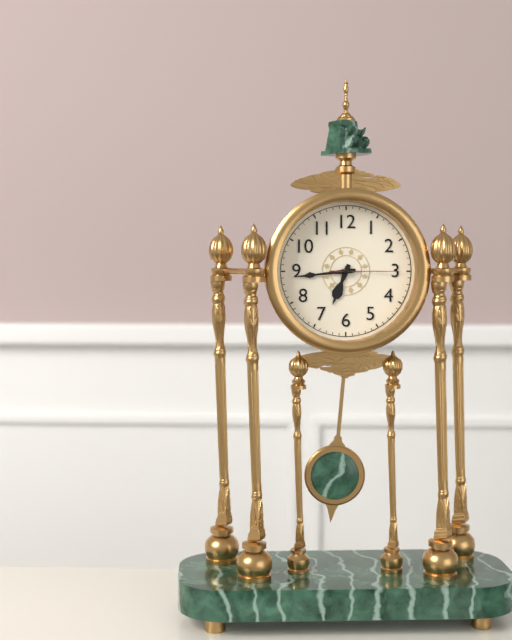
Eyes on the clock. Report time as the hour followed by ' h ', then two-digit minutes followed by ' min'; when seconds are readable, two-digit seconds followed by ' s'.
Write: 6 h 44 min 15 s
